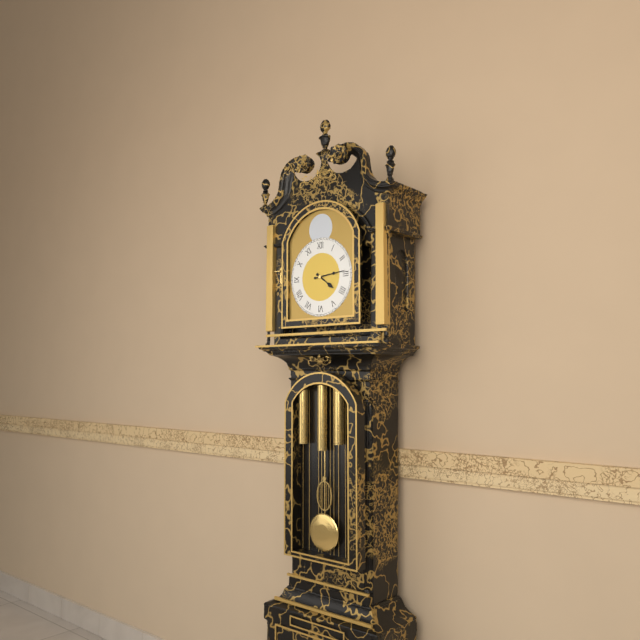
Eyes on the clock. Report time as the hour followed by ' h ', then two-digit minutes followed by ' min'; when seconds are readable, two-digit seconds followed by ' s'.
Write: 4 h 14 min
